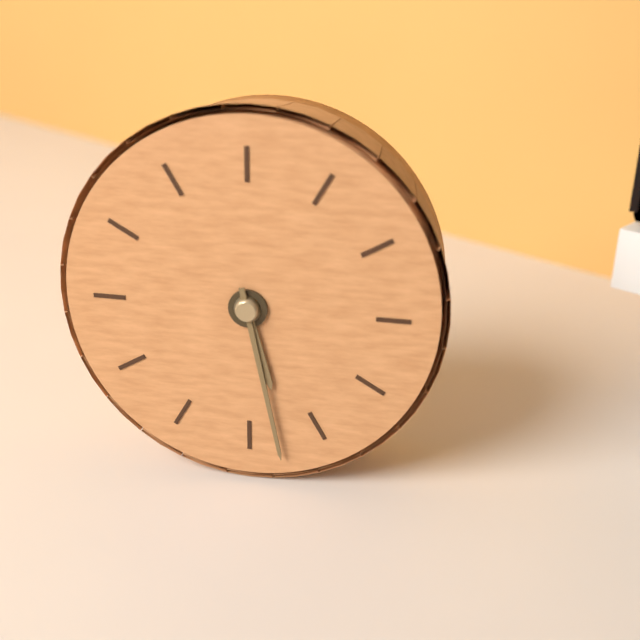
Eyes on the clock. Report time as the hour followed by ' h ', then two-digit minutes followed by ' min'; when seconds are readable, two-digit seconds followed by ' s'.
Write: 5 h 28 min
